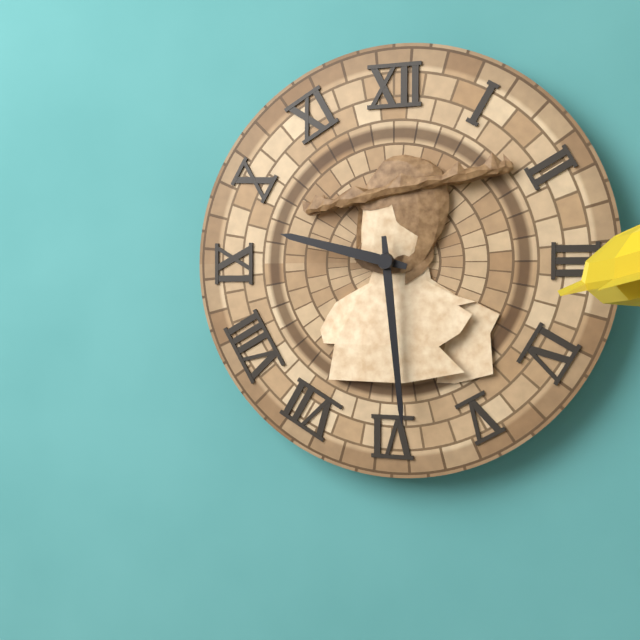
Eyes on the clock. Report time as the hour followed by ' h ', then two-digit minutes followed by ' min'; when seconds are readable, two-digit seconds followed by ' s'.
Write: 9 h 29 min
